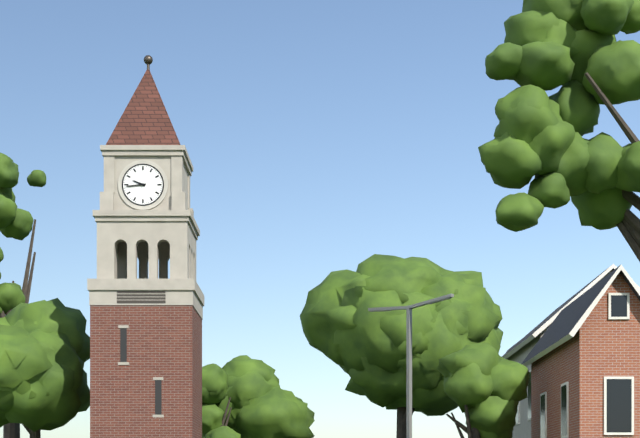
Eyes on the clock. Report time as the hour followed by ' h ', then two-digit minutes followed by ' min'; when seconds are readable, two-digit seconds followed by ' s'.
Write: 9 h 44 min
